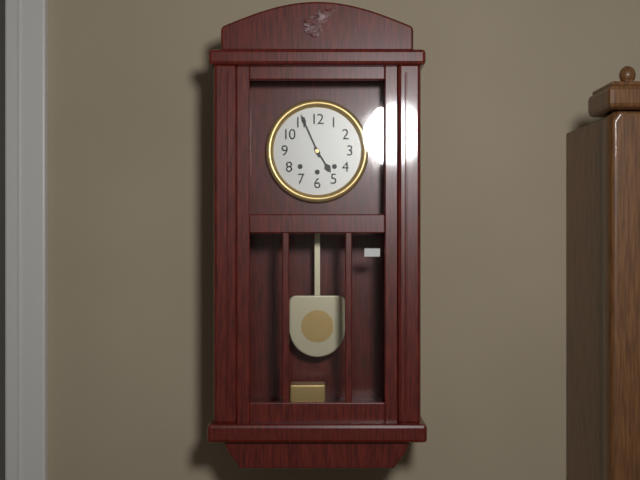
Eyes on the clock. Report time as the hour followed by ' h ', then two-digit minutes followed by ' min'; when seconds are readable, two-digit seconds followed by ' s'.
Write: 4 h 56 min
